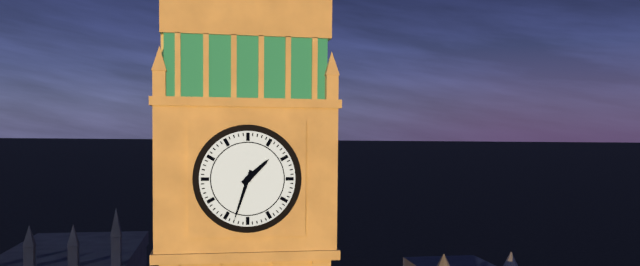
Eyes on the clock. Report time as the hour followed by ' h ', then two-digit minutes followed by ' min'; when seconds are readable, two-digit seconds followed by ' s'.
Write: 1 h 33 min
